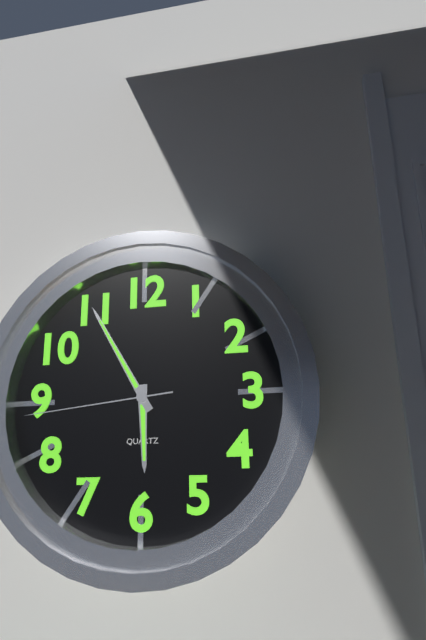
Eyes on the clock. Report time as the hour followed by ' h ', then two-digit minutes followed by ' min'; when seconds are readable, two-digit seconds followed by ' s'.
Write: 5 h 55 min 44 s
